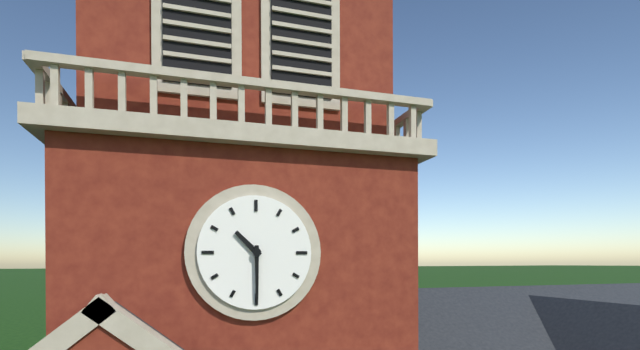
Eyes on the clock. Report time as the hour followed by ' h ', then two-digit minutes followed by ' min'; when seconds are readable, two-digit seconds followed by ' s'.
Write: 10 h 30 min
